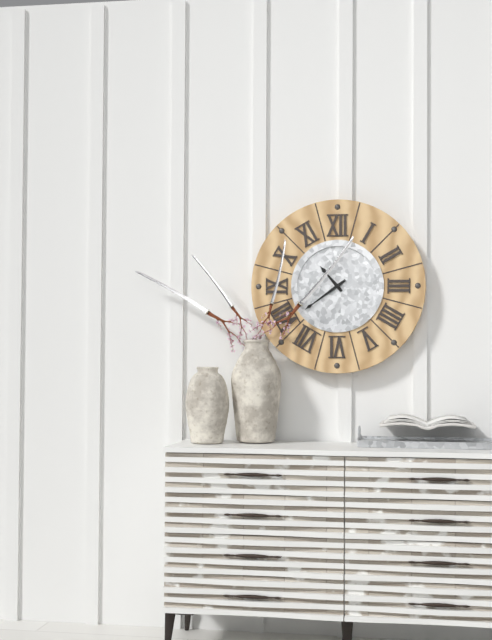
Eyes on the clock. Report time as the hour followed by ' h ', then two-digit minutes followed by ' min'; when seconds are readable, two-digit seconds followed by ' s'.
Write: 10 h 39 min
